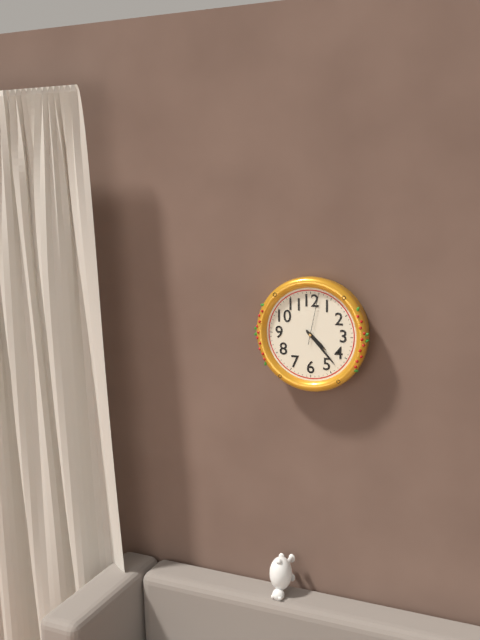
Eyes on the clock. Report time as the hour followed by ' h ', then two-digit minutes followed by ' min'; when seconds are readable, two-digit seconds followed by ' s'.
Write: 4 h 23 min 02 s
